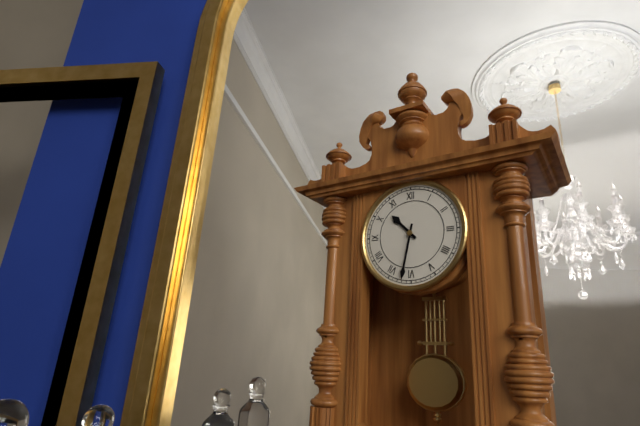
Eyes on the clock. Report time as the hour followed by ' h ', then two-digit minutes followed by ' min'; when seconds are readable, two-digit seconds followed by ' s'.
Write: 10 h 32 min
